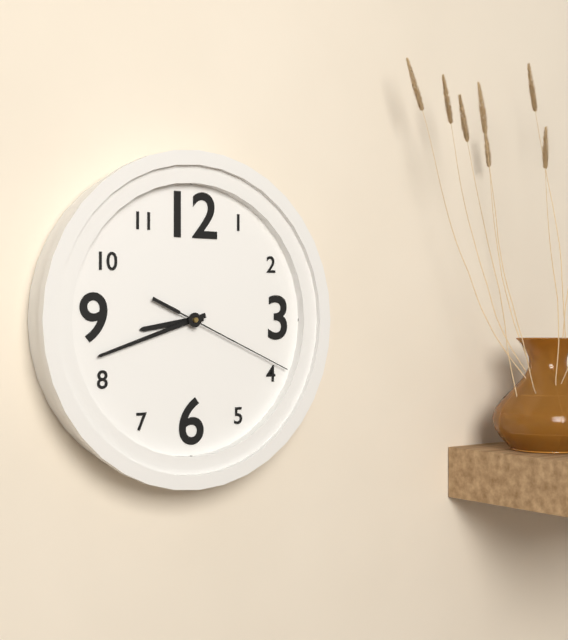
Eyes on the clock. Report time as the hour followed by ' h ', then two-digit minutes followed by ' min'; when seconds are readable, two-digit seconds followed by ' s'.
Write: 8 h 42 min 19 s
